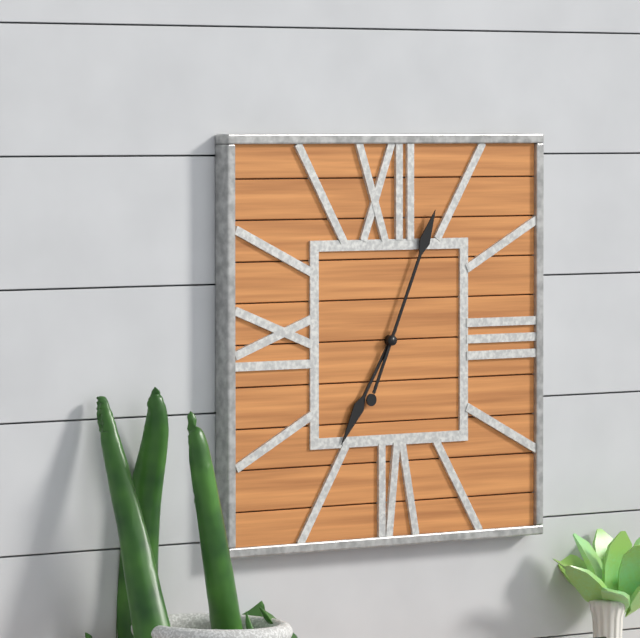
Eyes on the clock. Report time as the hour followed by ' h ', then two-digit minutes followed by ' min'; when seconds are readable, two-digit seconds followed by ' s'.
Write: 7 h 04 min
